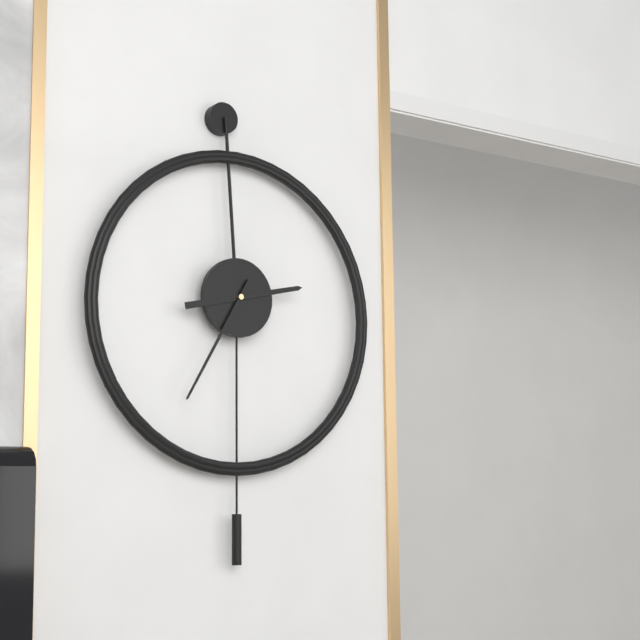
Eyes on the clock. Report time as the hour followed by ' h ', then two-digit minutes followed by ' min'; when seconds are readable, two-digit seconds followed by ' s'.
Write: 2 h 35 min
